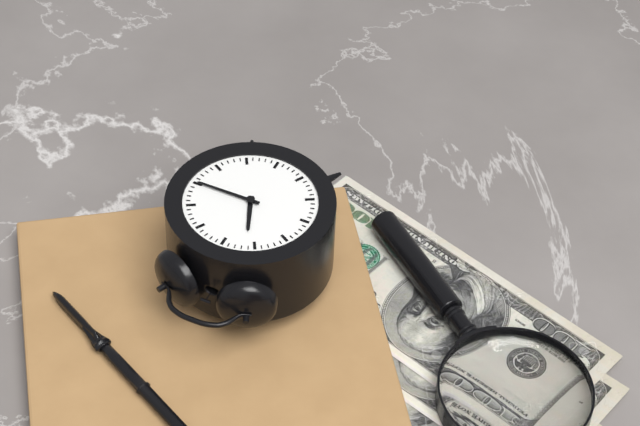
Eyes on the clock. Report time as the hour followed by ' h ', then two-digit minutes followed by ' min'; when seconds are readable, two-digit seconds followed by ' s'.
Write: 11 h 15 min
